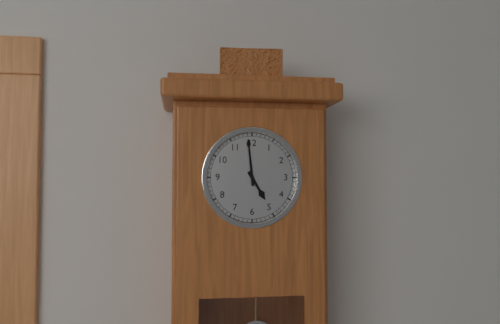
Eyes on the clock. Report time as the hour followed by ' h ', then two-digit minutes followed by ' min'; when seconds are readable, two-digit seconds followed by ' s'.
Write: 4 h 59 min
